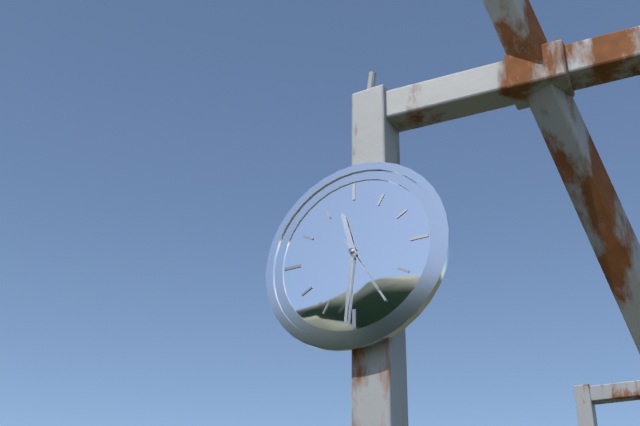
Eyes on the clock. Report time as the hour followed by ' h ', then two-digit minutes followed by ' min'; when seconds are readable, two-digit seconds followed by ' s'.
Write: 11 h 31 min 25 s
